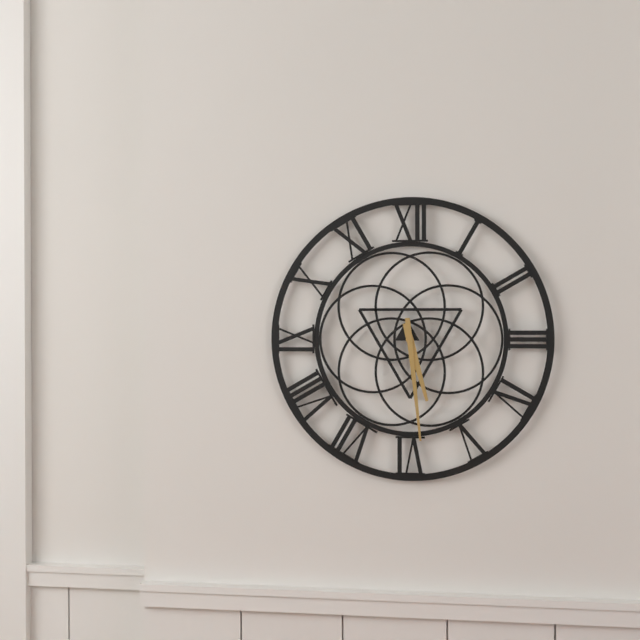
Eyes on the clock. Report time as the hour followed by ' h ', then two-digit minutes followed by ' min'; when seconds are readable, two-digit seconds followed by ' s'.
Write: 5 h 29 min
